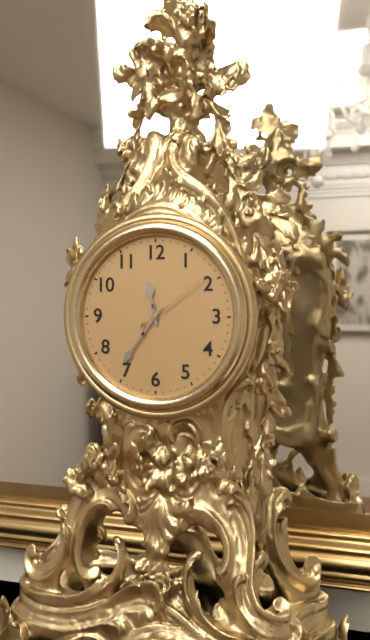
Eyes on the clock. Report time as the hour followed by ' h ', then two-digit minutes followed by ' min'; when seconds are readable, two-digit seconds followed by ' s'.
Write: 11 h 36 min 09 s
